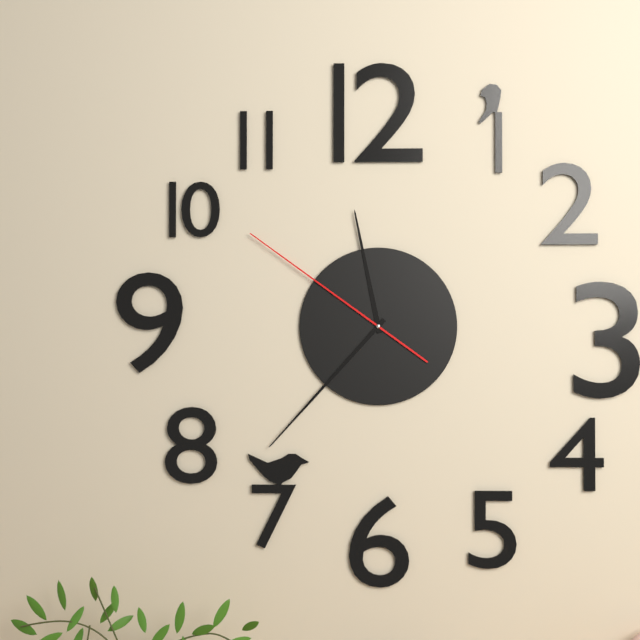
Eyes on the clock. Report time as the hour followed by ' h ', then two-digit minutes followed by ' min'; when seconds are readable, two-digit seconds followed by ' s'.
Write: 11 h 37 min 51 s
